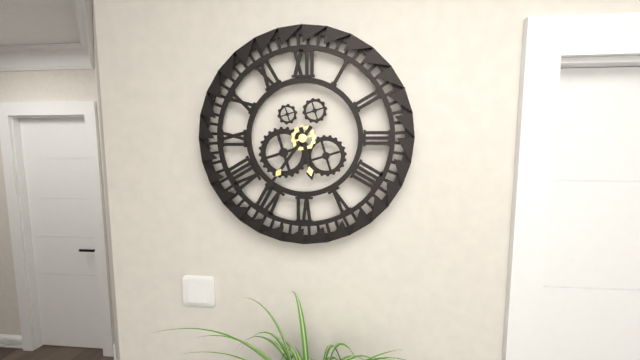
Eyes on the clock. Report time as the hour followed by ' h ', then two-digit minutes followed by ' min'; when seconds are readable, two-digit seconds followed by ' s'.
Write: 5 h 36 min
